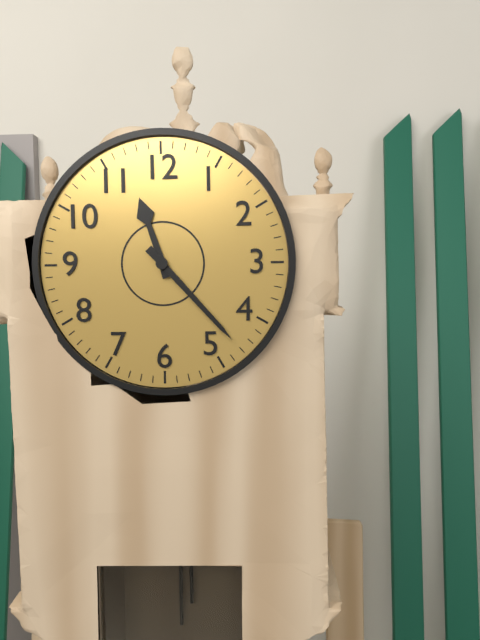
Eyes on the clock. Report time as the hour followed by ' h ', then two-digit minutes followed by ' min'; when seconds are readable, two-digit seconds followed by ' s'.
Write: 11 h 23 min
